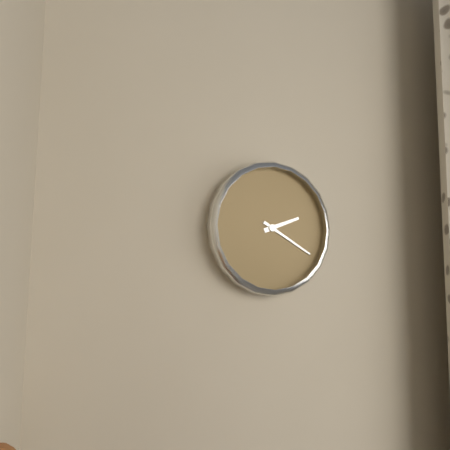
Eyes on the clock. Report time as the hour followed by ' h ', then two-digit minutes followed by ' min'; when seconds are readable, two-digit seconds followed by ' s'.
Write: 2 h 20 min
